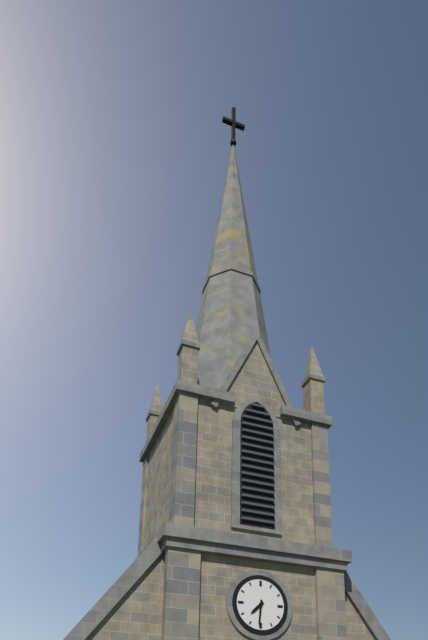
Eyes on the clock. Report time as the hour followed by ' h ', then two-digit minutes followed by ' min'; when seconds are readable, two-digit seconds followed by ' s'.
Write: 7 h 31 min
